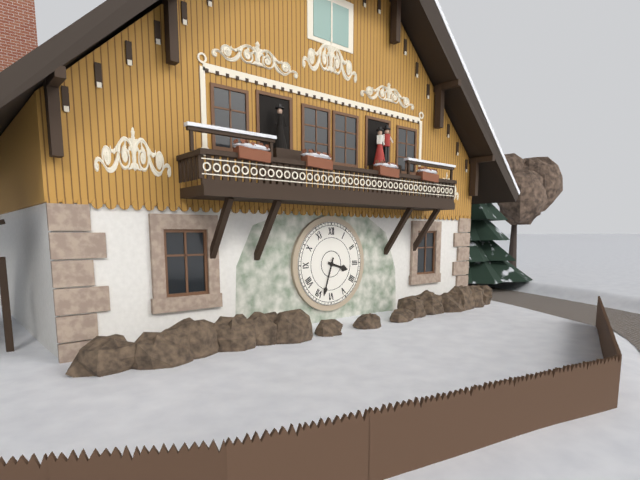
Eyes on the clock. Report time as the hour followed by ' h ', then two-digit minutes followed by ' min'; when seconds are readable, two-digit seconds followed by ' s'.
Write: 3 h 33 min
